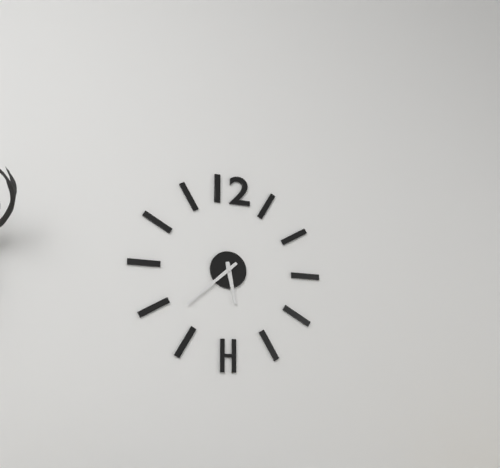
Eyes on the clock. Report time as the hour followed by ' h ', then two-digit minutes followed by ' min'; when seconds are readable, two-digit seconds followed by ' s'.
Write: 5 h 38 min
